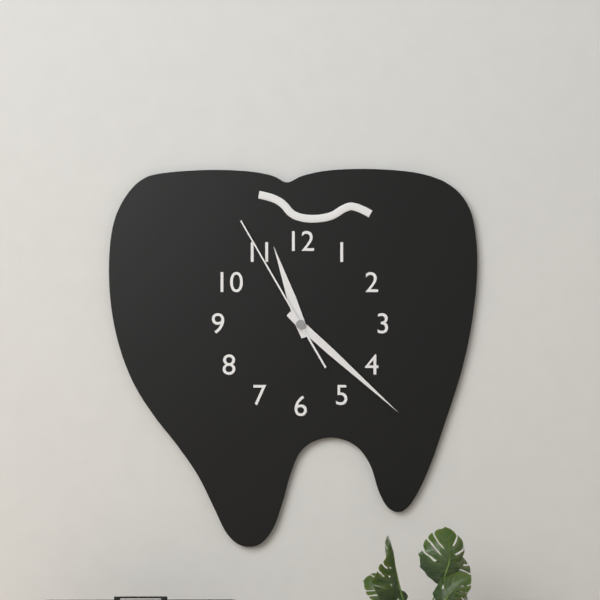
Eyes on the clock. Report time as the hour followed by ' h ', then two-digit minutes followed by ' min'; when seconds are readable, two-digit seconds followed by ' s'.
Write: 11 h 22 min 55 s
